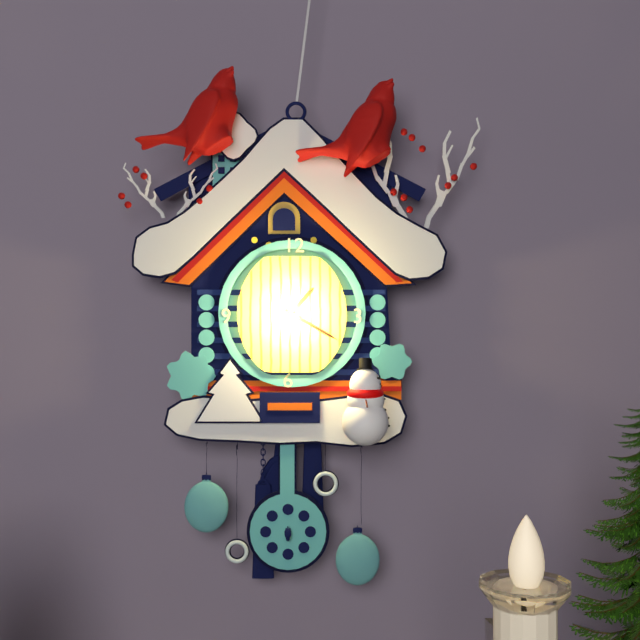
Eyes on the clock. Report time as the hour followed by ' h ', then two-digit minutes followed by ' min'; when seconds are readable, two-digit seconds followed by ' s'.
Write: 1 h 20 min
